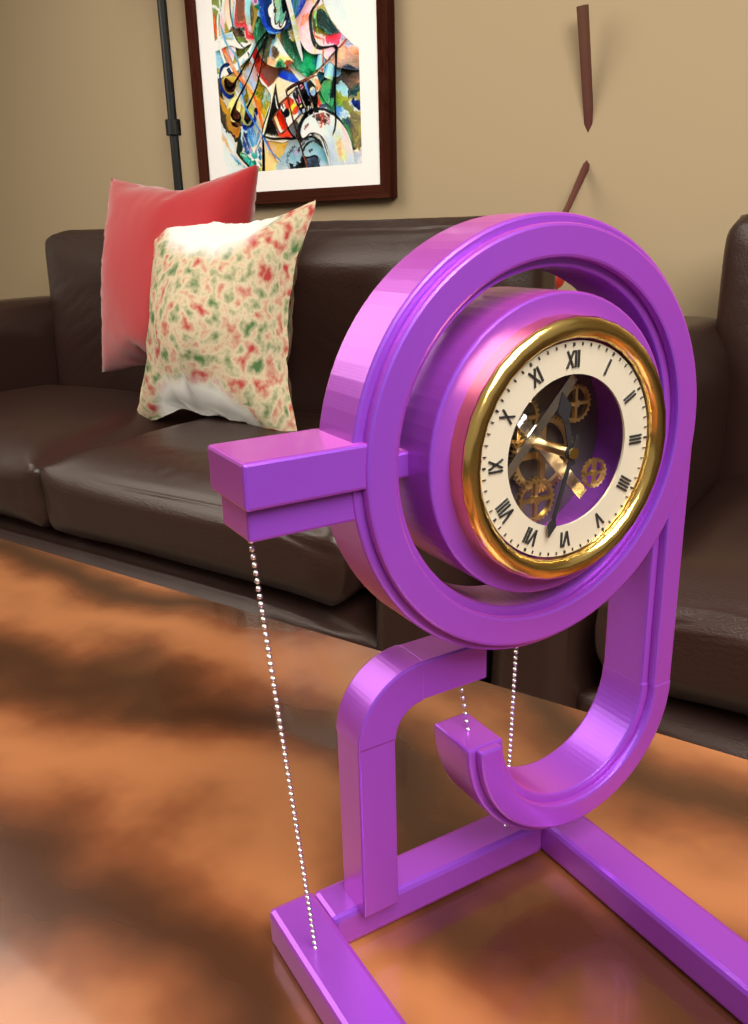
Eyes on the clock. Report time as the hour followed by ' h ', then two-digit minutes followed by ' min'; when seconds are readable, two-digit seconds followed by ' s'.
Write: 11 h 33 min
